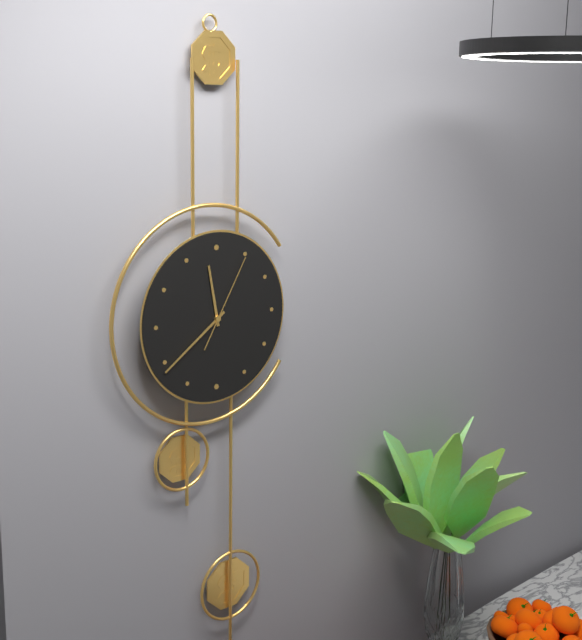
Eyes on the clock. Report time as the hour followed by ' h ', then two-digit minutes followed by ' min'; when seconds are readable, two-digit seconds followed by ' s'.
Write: 11 h 39 min 05 s
